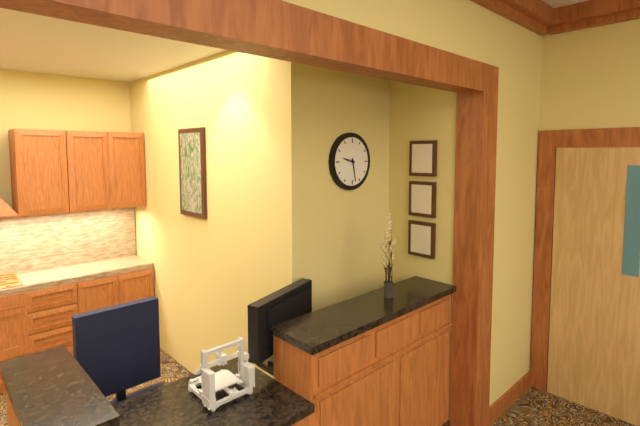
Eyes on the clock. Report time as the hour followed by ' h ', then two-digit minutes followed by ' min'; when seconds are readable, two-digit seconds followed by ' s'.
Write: 9 h 28 min
